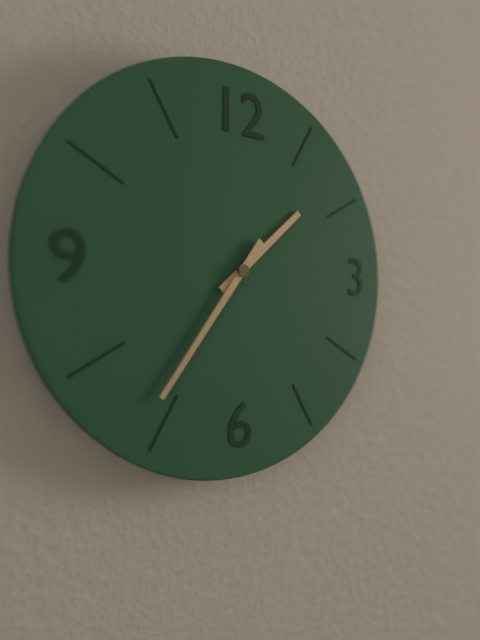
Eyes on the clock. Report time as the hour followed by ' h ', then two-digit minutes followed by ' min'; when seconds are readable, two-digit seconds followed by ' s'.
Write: 1 h 36 min
